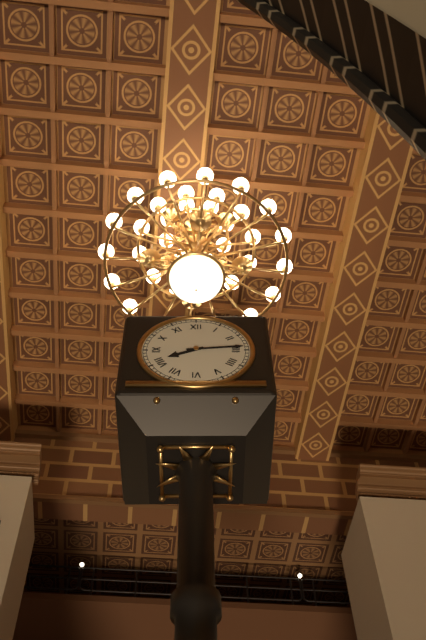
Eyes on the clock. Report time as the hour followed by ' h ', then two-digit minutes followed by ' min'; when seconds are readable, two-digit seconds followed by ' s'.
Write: 8 h 14 min
